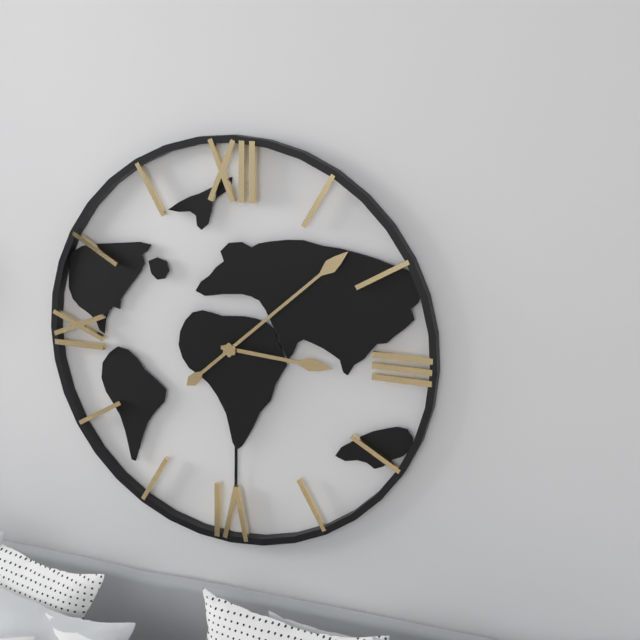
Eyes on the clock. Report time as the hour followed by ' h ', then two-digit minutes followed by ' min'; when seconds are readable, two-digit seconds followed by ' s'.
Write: 3 h 08 min
